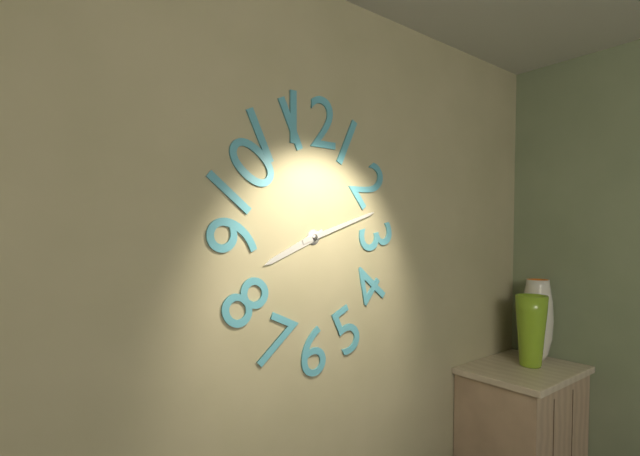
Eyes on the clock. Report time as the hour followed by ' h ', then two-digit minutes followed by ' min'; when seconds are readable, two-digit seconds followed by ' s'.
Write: 8 h 12 min
